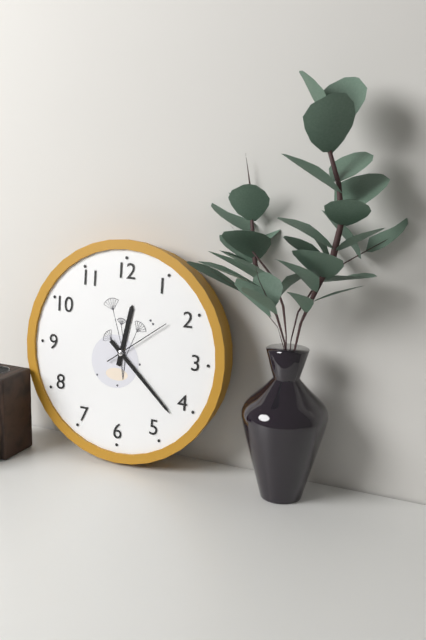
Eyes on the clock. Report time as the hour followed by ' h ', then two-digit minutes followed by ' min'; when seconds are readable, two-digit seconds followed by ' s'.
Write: 12 h 22 min 09 s
